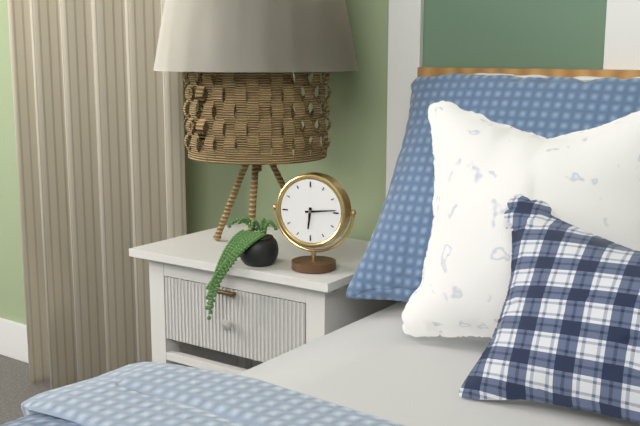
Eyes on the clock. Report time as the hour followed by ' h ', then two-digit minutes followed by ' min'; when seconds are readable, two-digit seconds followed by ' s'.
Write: 6 h 14 min
